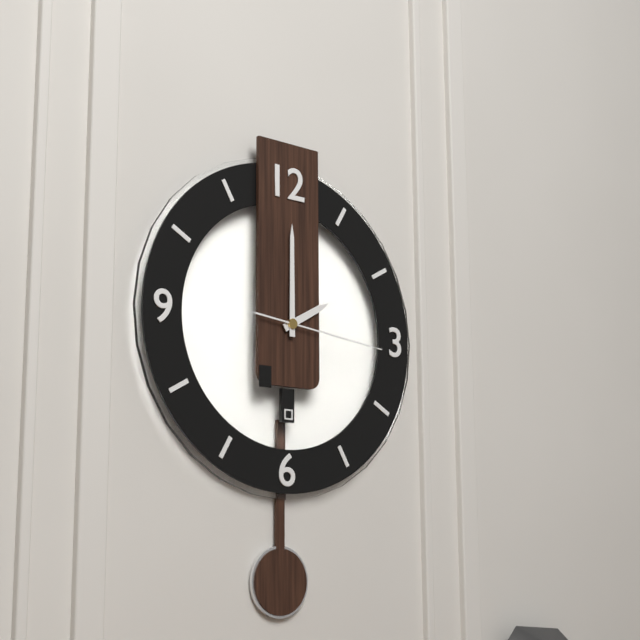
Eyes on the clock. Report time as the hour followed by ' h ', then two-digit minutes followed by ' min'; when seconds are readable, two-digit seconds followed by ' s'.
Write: 2 h 00 min 16 s
